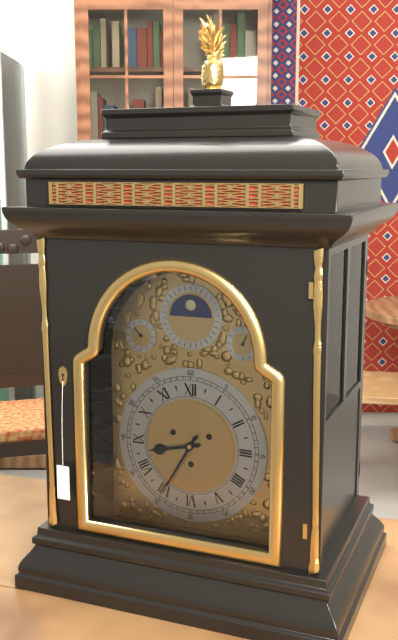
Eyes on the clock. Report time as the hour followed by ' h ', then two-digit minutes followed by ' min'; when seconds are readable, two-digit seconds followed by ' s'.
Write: 8 h 35 min
